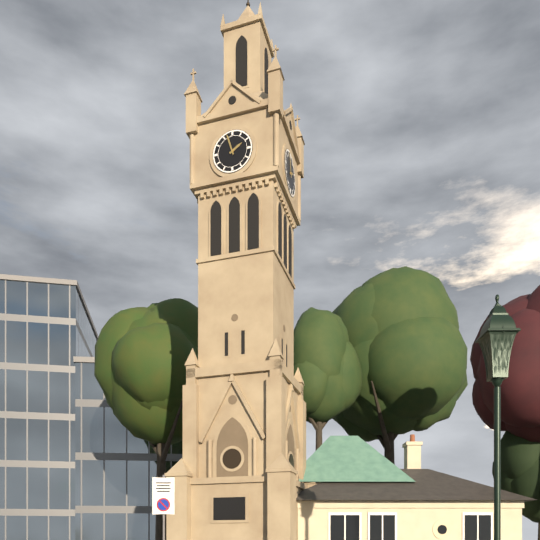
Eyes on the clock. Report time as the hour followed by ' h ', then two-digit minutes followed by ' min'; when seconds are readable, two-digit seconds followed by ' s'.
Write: 1 h 57 min
